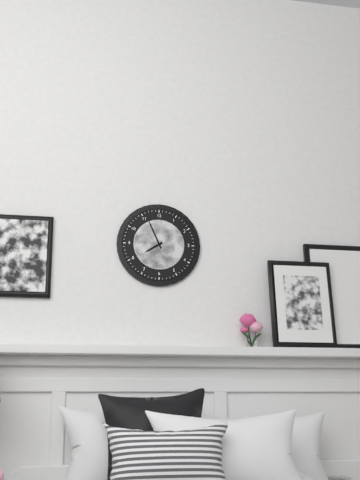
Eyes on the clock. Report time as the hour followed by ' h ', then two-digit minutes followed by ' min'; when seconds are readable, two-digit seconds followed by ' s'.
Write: 7 h 56 min
